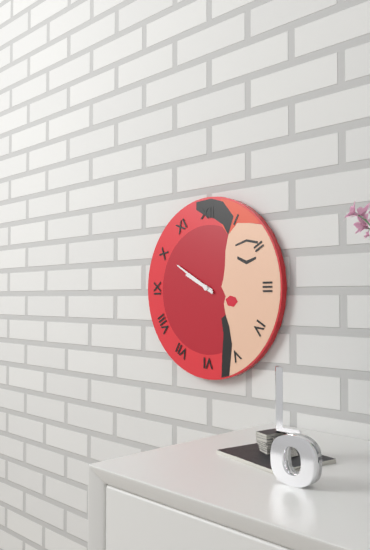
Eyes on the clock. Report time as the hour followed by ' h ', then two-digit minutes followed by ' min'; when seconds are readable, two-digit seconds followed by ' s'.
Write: 9 h 50 min
